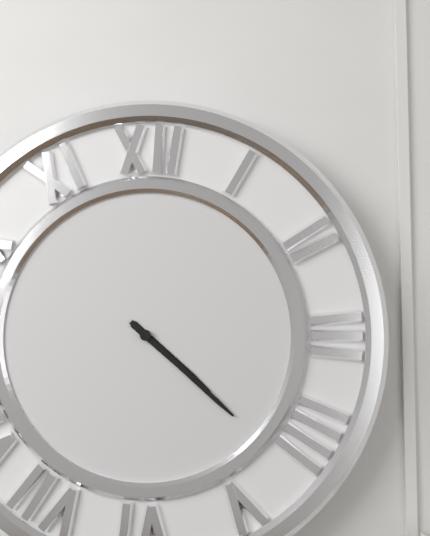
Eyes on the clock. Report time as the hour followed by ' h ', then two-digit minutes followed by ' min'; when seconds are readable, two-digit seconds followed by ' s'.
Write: 4 h 22 min
